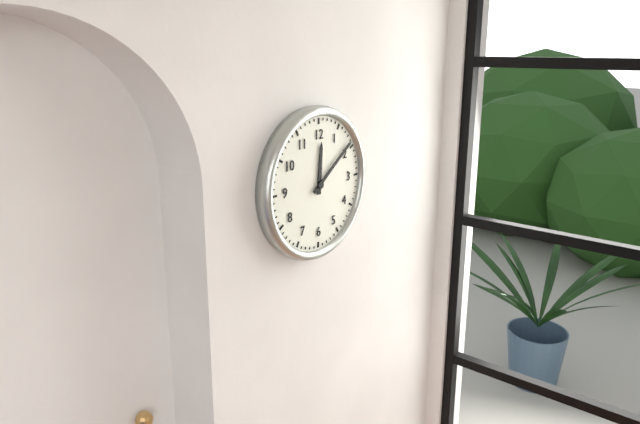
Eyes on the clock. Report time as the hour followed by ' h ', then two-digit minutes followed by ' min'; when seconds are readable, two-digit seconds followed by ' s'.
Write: 12 h 09 min
